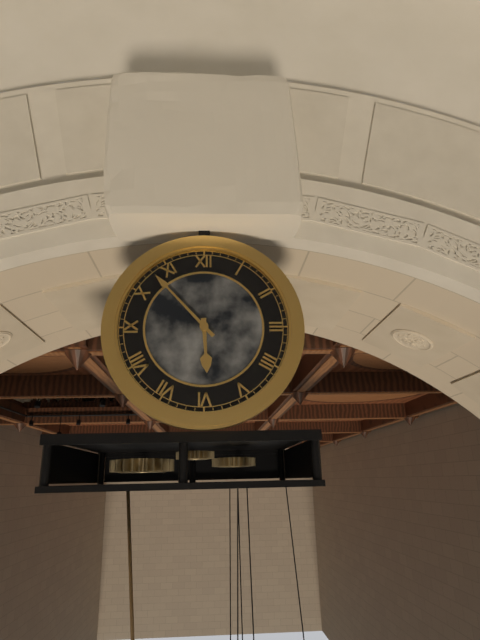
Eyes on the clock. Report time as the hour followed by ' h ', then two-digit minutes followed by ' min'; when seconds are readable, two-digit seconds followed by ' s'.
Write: 5 h 53 min
